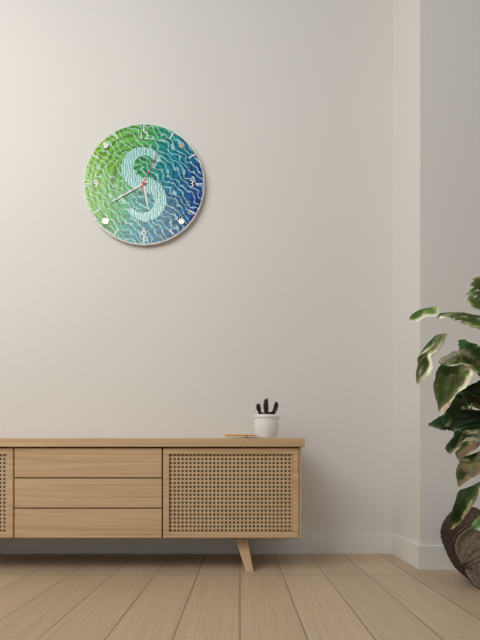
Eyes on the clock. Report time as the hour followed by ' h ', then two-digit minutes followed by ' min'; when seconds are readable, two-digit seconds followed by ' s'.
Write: 5 h 40 min
